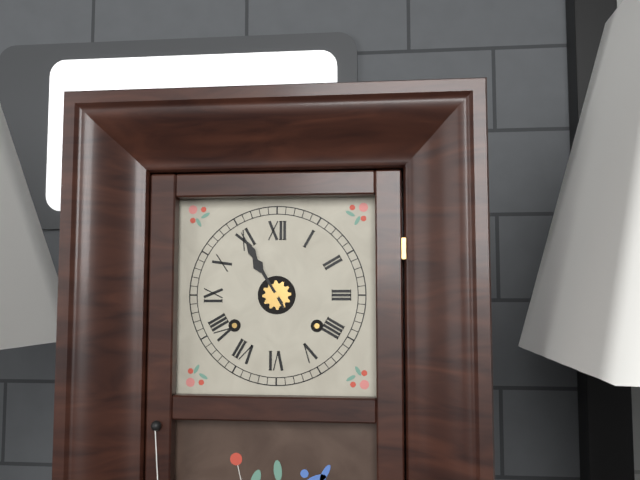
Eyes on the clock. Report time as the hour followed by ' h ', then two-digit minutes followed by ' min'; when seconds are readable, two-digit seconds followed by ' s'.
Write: 10 h 55 min
